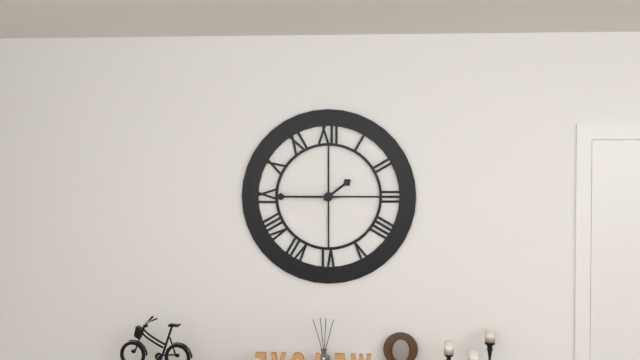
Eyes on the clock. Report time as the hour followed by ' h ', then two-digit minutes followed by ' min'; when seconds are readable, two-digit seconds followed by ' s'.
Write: 1 h 45 min
